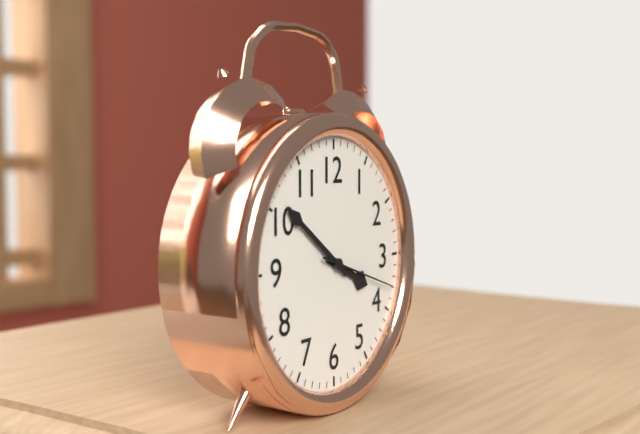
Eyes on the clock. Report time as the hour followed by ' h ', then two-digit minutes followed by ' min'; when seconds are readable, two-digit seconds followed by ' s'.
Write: 3 h 51 min 18 s
